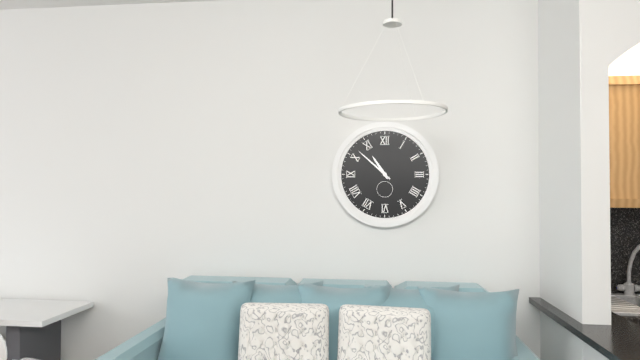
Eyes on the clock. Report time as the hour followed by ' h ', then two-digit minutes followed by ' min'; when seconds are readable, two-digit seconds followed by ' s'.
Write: 10 h 52 min
